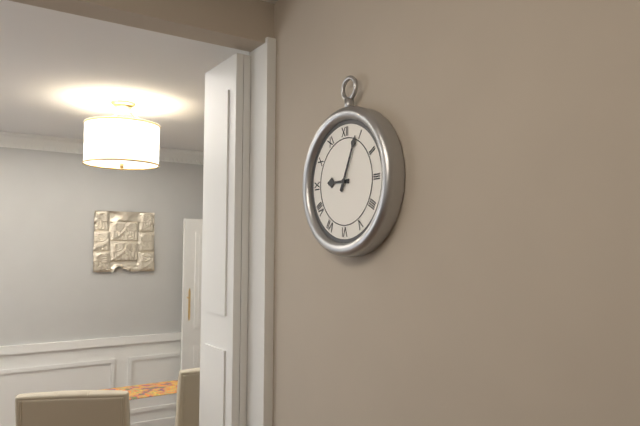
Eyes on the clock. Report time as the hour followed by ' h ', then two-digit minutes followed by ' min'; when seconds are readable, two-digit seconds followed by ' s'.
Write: 9 h 04 min
